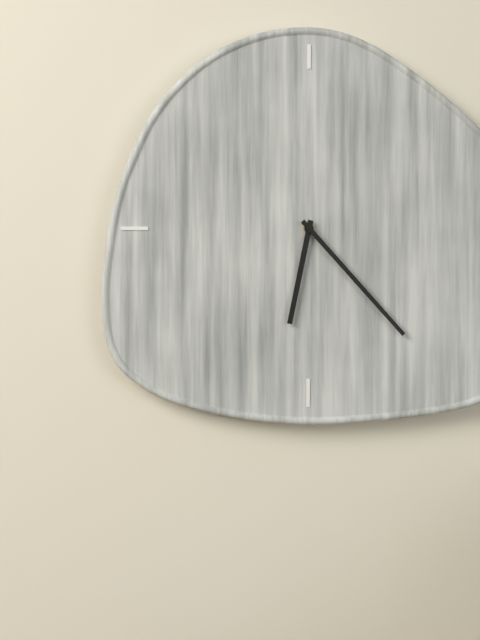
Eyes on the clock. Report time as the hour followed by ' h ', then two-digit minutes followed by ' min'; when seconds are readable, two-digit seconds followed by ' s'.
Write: 6 h 23 min
